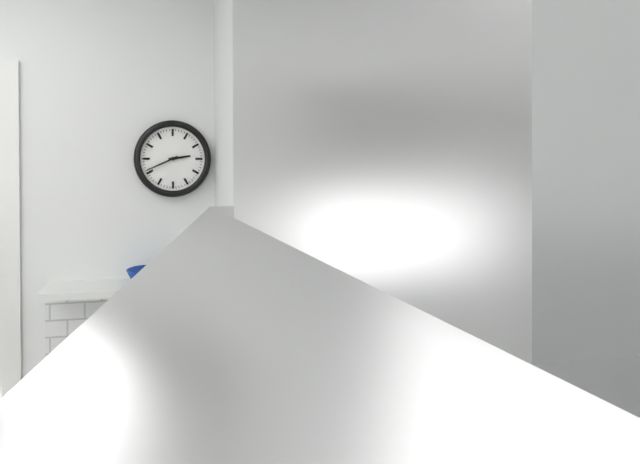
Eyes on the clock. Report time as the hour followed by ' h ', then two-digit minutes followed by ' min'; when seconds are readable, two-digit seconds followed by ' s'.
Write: 2 h 41 min
